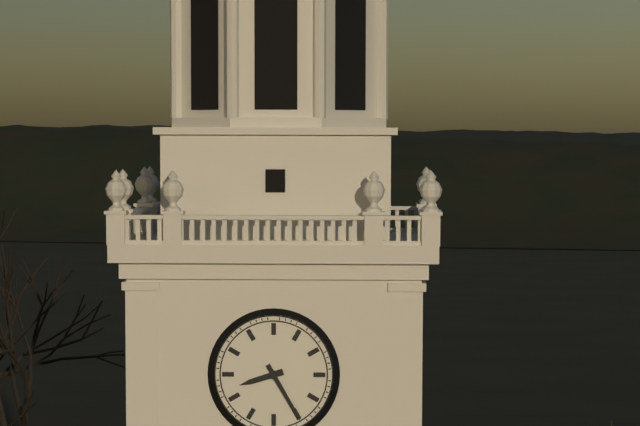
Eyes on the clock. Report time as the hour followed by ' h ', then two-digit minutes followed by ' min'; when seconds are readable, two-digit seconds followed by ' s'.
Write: 8 h 25 min
